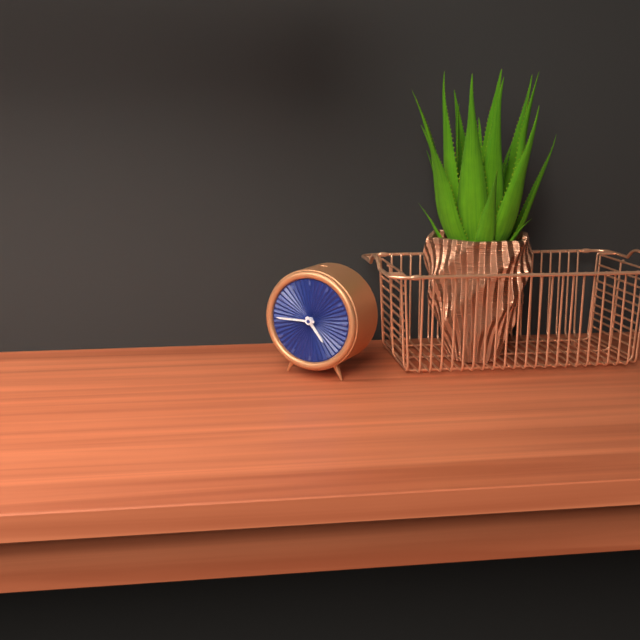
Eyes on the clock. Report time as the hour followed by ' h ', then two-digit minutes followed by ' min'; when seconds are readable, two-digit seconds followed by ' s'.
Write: 4 h 45 min
